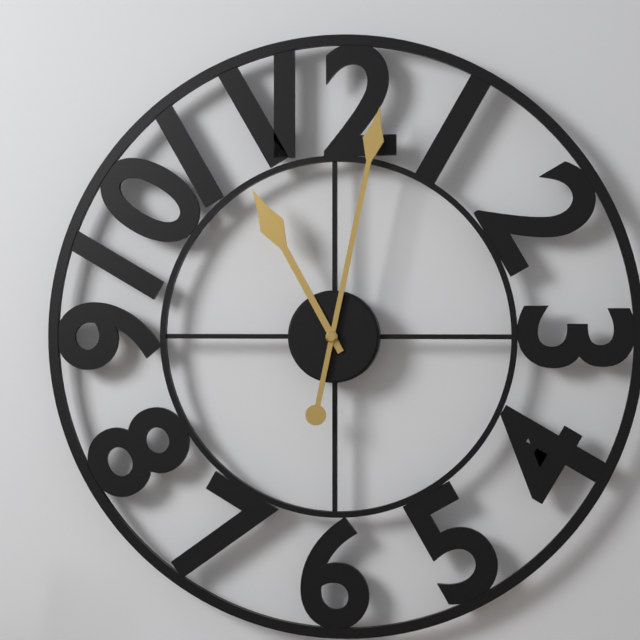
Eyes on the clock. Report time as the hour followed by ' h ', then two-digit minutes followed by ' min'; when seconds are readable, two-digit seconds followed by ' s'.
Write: 11 h 02 min
